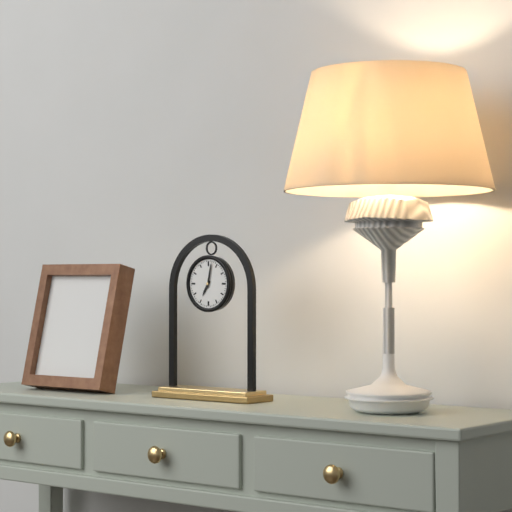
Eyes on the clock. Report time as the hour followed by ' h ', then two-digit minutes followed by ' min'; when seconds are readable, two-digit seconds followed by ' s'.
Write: 7 h 02 min
